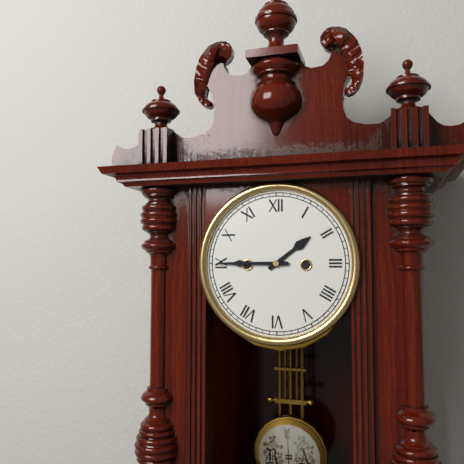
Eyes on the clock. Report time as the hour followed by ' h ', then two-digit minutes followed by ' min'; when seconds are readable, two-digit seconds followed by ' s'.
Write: 1 h 45 min
